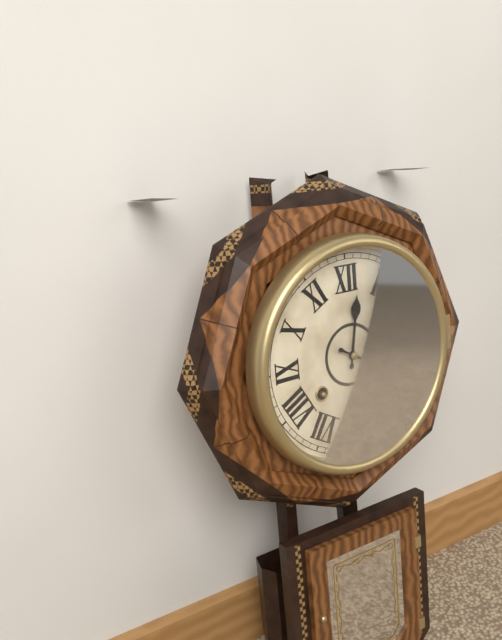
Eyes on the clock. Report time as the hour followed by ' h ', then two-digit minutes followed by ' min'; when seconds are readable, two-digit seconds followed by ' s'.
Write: 12 h 20 min
